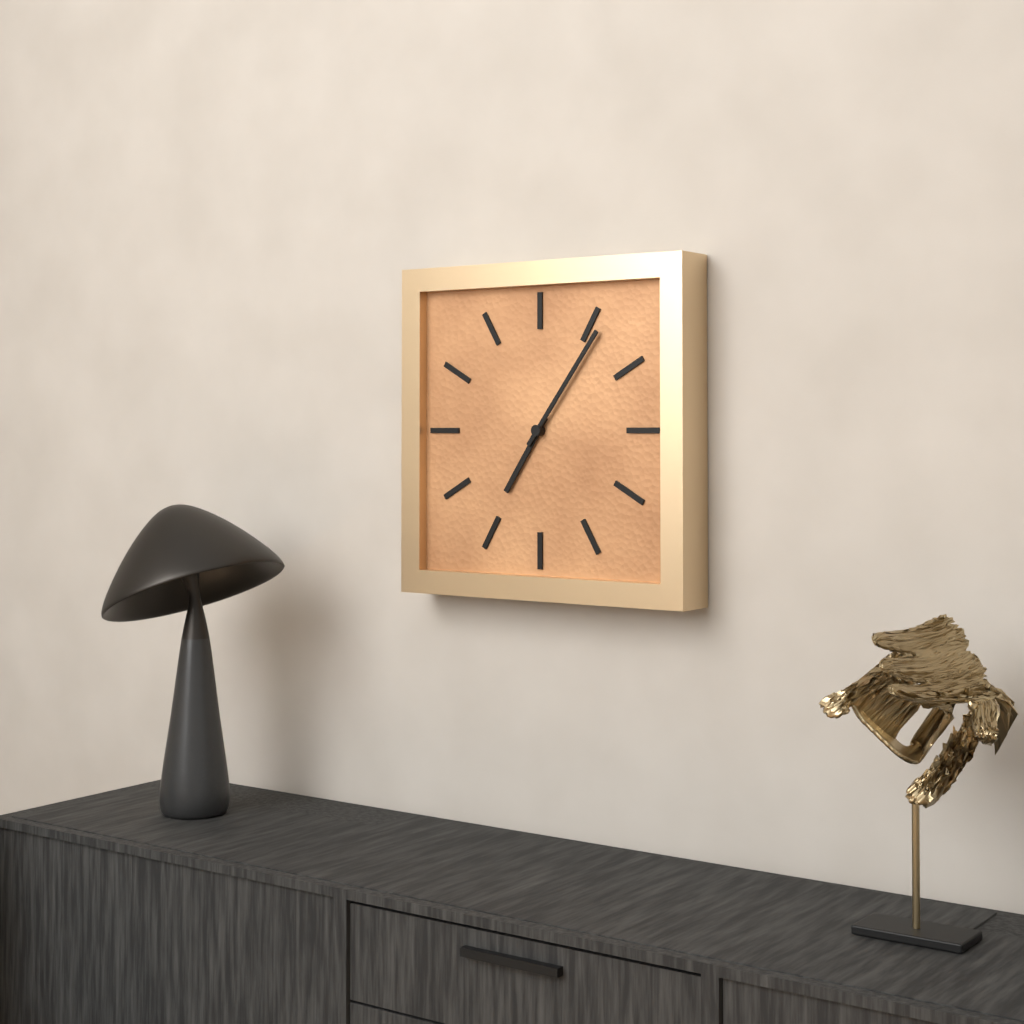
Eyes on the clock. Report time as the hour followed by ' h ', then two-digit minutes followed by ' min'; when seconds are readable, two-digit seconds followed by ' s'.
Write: 7 h 06 min
